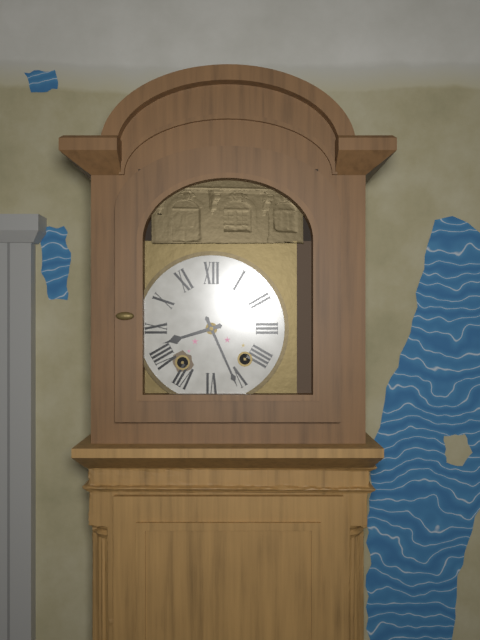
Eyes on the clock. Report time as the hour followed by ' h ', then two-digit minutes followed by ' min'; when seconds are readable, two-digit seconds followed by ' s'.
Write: 8 h 26 min
